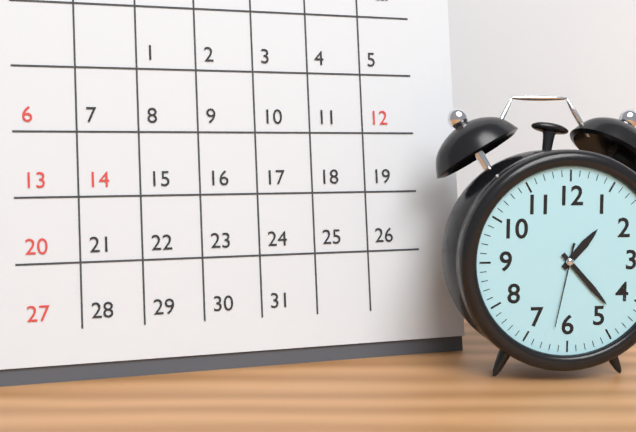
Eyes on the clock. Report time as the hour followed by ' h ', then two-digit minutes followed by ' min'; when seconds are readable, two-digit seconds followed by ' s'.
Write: 1 h 23 min 32 s
